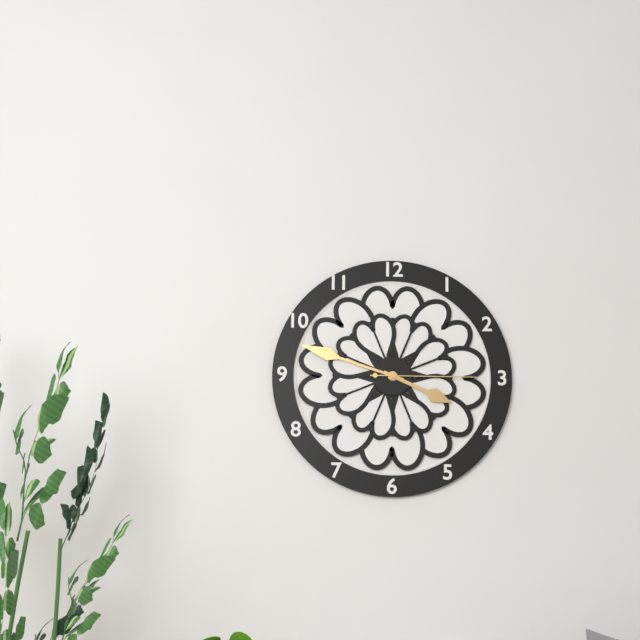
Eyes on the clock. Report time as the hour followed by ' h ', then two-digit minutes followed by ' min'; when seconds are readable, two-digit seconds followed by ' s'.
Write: 3 h 48 min 15 s
